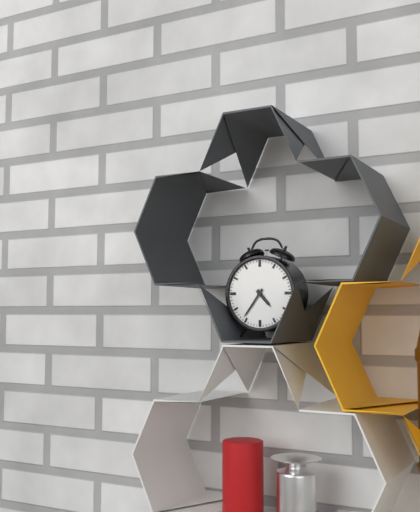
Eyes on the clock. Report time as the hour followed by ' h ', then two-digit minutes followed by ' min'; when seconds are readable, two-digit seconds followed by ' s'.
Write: 4 h 36 min
